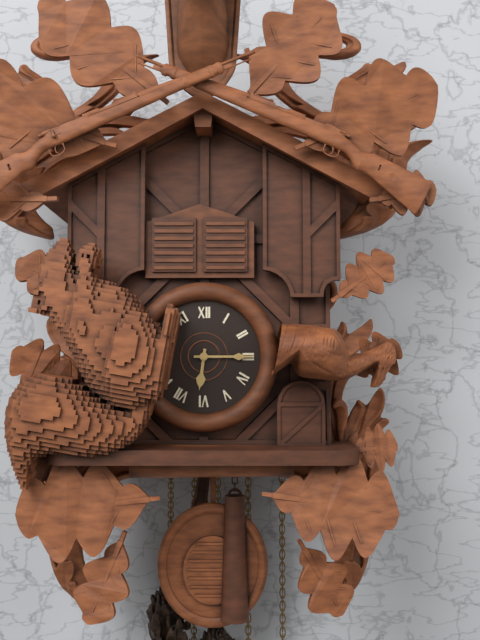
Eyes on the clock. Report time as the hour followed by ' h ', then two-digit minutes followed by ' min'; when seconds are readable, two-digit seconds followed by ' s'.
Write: 6 h 15 min
